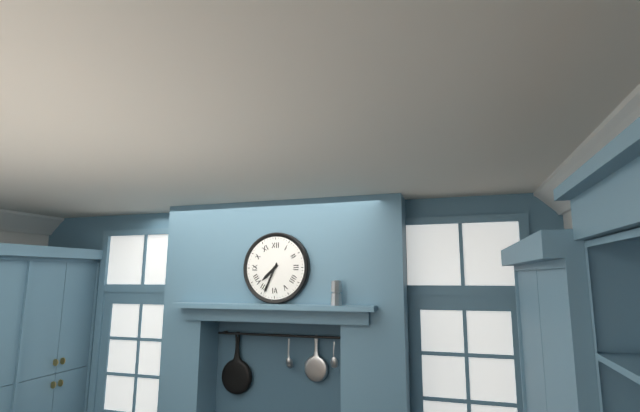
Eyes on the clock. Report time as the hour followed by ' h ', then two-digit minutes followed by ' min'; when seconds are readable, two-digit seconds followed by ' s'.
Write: 7 h 34 min
